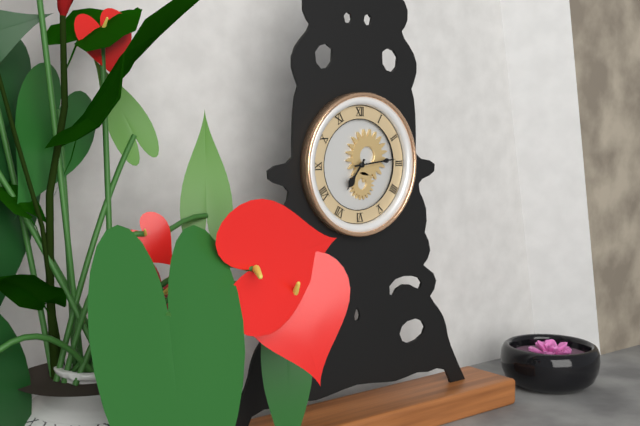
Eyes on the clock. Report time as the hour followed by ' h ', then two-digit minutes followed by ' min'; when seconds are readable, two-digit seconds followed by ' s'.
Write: 7 h 14 min
